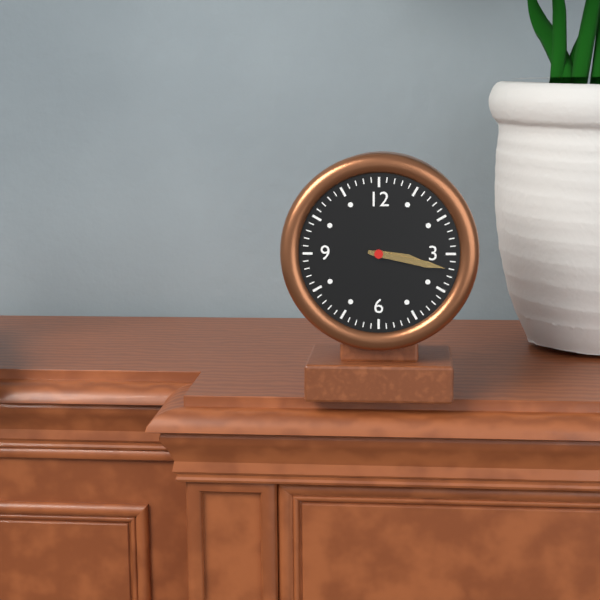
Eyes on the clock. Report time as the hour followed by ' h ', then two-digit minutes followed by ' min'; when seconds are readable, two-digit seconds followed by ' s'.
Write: 3 h 17 min
